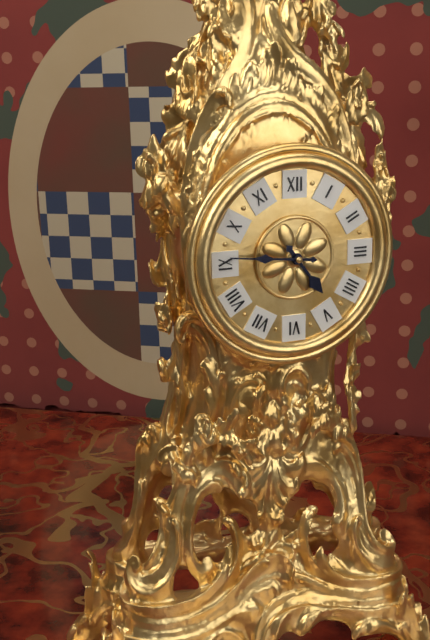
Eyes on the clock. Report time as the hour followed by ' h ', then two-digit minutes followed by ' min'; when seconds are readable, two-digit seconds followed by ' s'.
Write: 4 h 46 min
